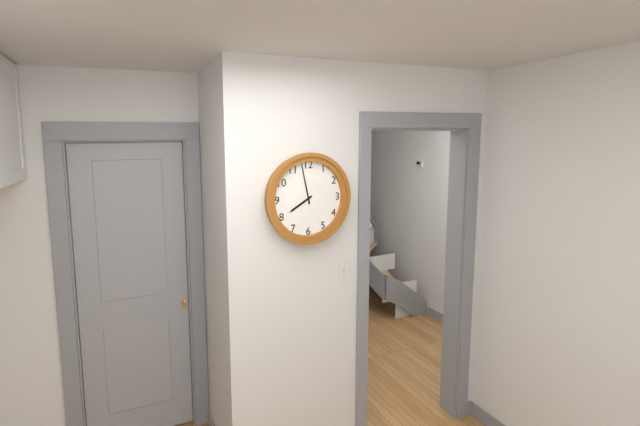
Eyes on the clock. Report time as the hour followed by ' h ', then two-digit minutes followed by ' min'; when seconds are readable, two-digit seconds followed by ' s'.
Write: 7 h 58 min
